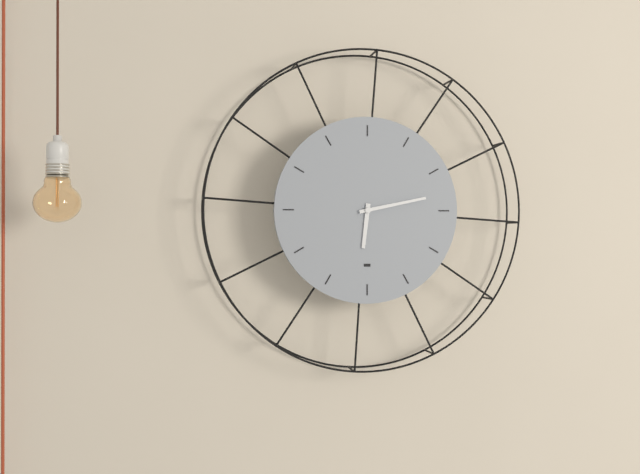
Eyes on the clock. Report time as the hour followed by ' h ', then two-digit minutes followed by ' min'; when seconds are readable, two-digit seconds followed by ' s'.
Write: 6 h 13 min
